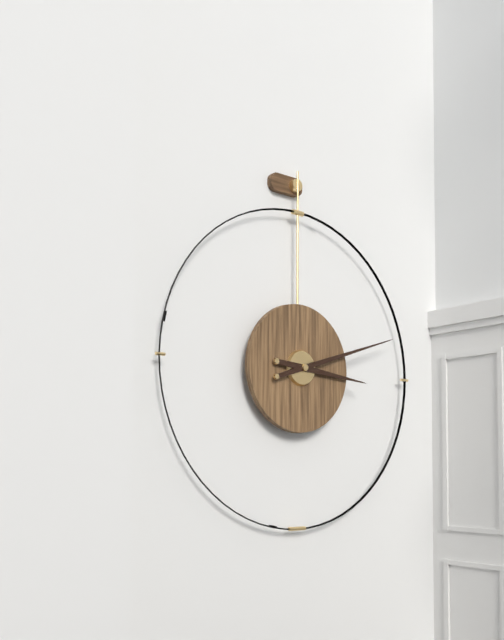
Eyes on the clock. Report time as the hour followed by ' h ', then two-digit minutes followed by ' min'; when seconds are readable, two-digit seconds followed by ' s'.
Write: 3 h 12 min
